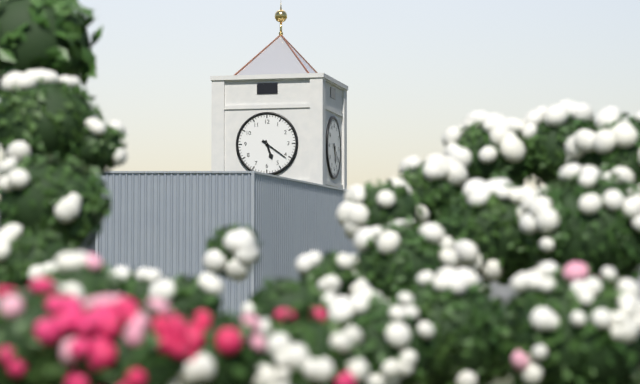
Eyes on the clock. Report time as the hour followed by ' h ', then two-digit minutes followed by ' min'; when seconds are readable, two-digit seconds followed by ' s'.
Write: 5 h 21 min
